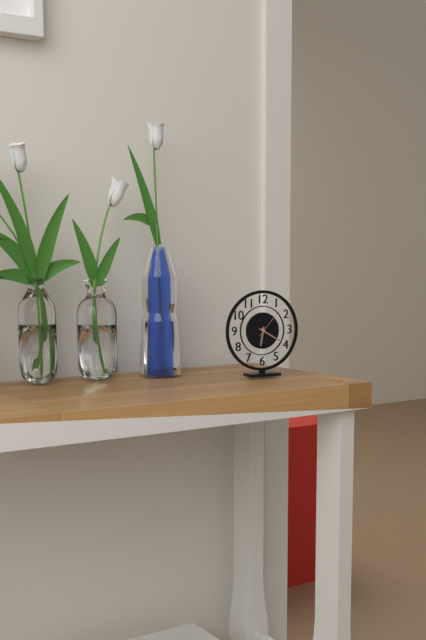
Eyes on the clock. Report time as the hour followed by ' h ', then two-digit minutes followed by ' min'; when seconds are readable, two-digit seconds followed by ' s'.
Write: 6 h 20 min
